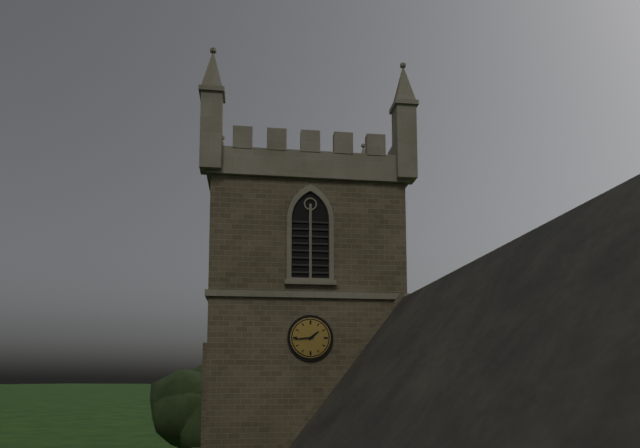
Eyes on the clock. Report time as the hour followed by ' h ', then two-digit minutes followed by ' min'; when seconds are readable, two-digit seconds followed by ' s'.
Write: 1 h 44 min
